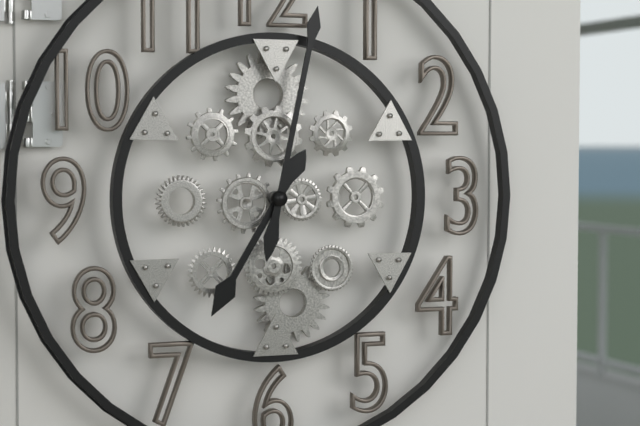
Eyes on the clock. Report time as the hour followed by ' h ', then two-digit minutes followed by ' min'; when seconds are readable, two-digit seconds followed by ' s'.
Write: 7 h 02 min
